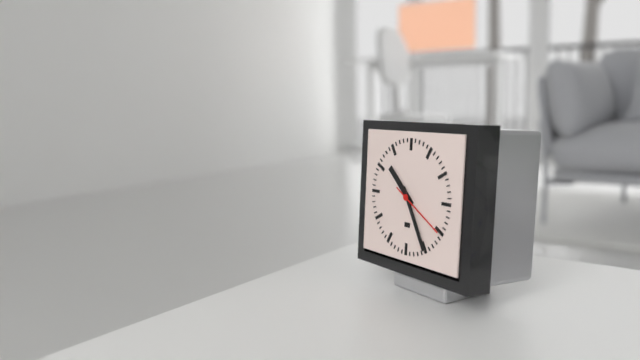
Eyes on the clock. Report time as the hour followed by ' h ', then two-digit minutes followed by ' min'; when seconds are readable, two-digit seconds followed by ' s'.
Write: 10 h 25 min 20 s
